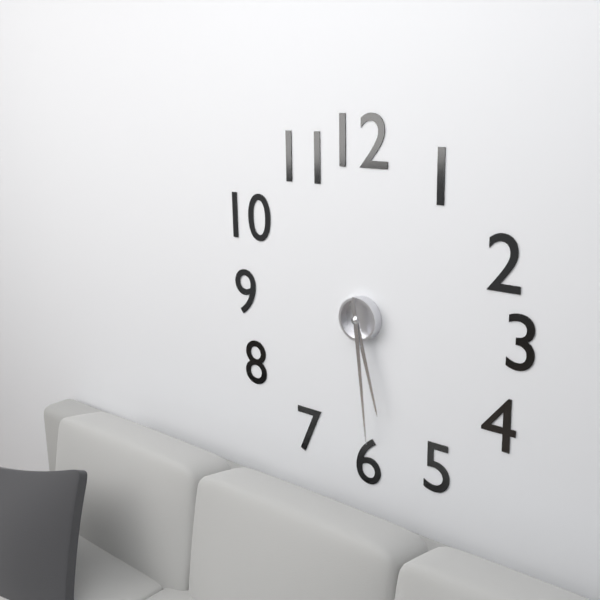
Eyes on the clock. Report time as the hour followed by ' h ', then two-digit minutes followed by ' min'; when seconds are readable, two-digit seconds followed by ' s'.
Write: 5 h 29 min
